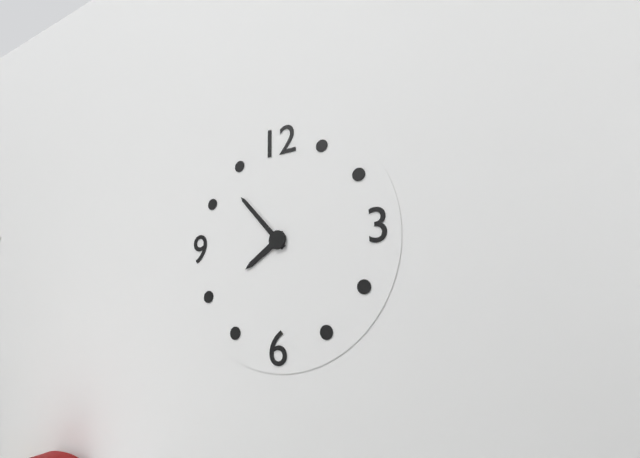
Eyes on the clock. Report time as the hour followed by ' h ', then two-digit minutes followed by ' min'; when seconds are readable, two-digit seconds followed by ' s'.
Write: 7 h 53 min
